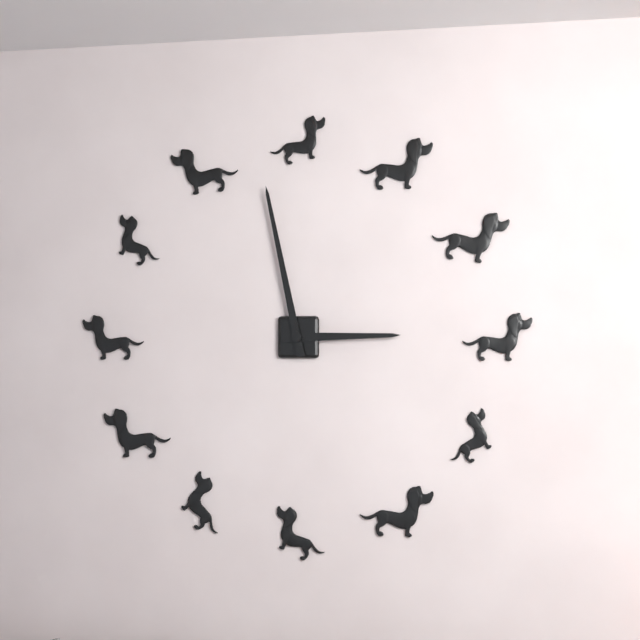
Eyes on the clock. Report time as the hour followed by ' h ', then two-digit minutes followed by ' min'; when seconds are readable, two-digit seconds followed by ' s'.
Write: 2 h 58 min
